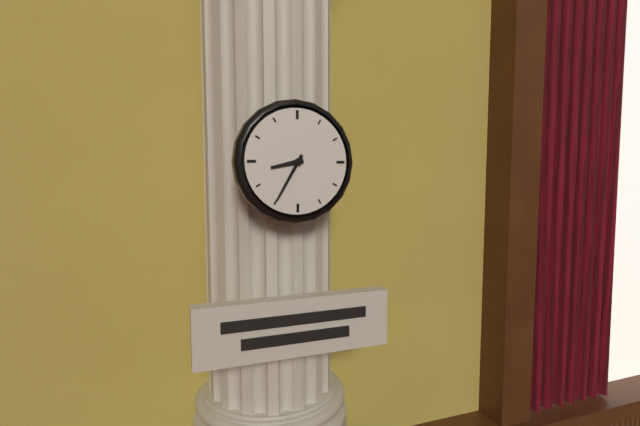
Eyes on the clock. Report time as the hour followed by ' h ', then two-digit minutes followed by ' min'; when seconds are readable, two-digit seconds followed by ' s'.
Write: 8 h 35 min
